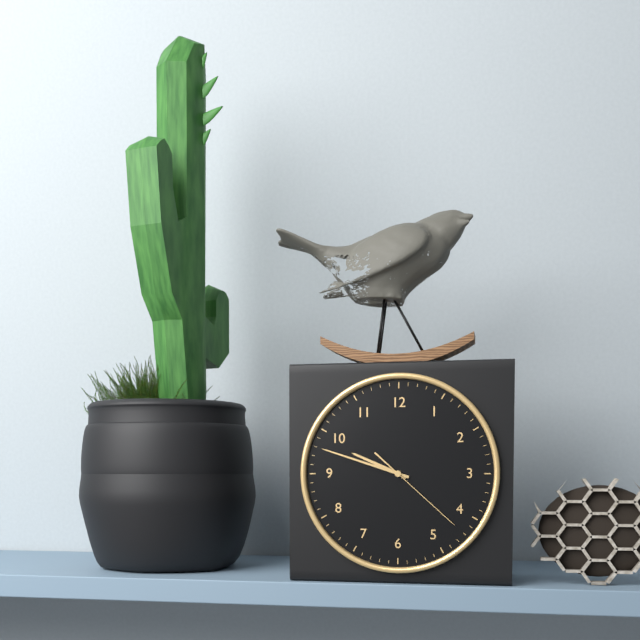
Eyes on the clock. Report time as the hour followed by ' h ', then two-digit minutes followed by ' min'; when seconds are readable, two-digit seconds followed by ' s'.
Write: 9 h 48 min 22 s
